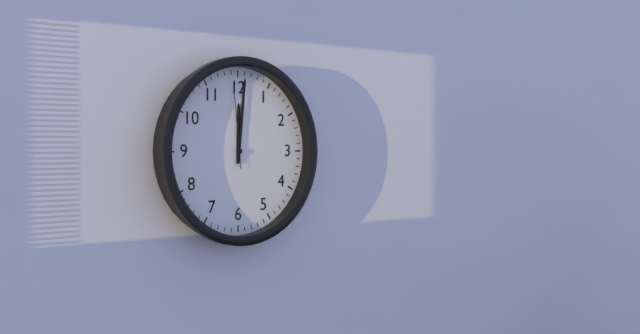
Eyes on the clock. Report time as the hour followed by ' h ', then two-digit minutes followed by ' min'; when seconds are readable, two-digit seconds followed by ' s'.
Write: 12 h 01 min 59 s
